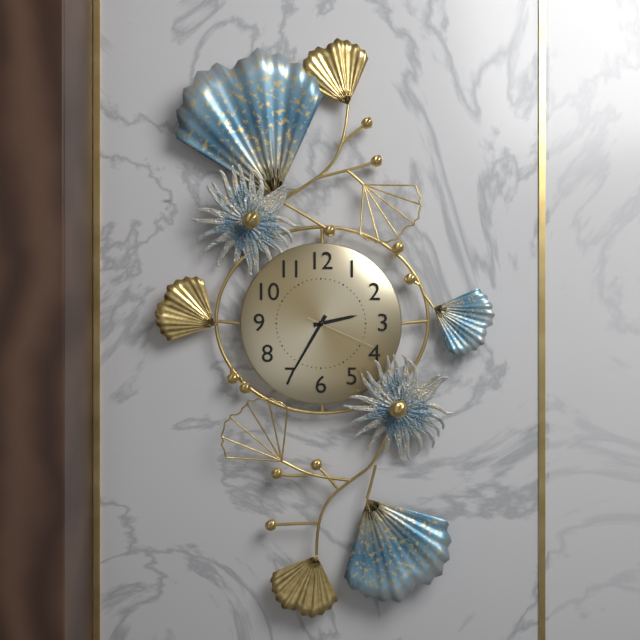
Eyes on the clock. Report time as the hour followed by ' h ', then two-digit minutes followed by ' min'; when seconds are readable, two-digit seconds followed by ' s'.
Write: 2 h 35 min 19 s
